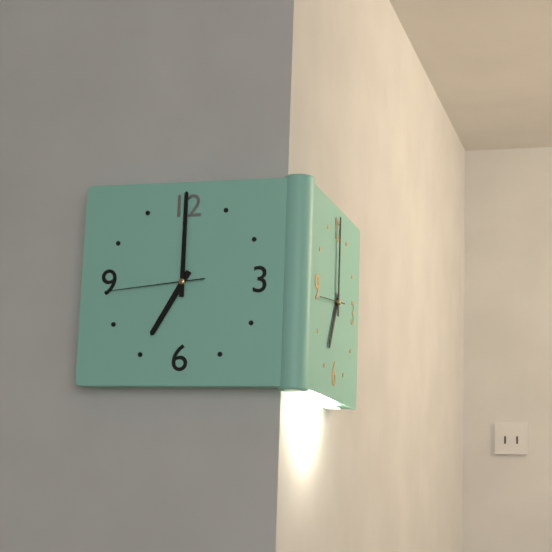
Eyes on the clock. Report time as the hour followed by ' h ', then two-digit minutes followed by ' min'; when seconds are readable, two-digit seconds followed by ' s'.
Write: 7 h 00 min 44 s
